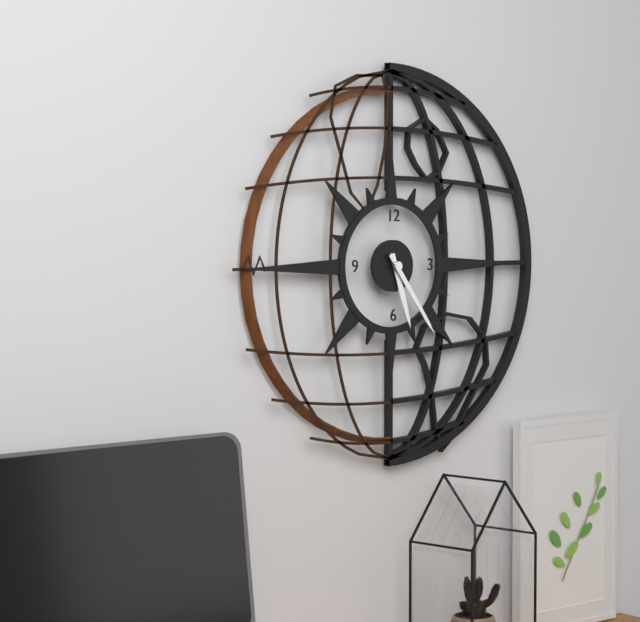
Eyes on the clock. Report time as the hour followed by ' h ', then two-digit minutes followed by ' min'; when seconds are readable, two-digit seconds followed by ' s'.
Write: 5 h 24 min
